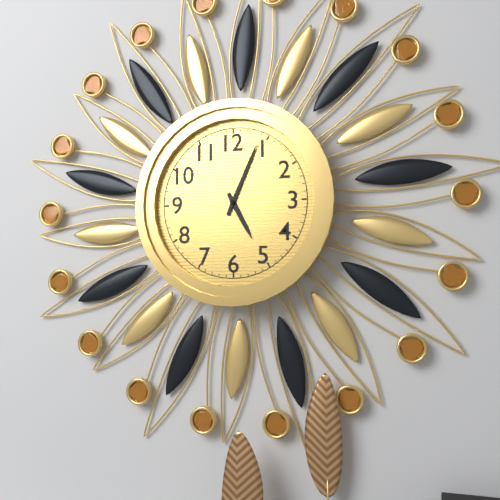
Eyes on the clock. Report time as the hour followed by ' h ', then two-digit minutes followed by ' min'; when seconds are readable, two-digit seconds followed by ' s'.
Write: 5 h 04 min
